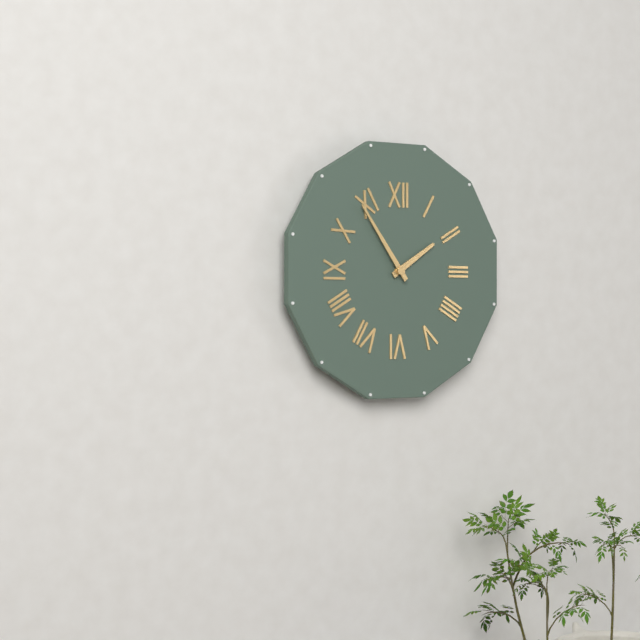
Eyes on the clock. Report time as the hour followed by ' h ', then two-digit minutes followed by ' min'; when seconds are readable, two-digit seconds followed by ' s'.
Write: 1 h 54 min
